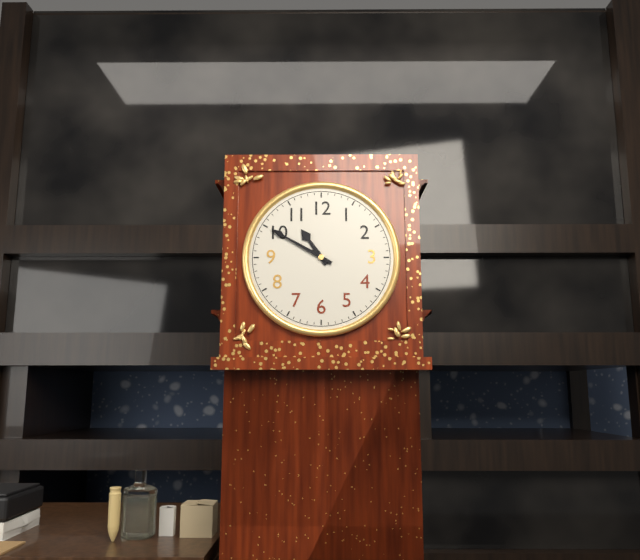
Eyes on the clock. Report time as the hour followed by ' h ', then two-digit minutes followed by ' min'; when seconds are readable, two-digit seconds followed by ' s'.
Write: 10 h 50 min
